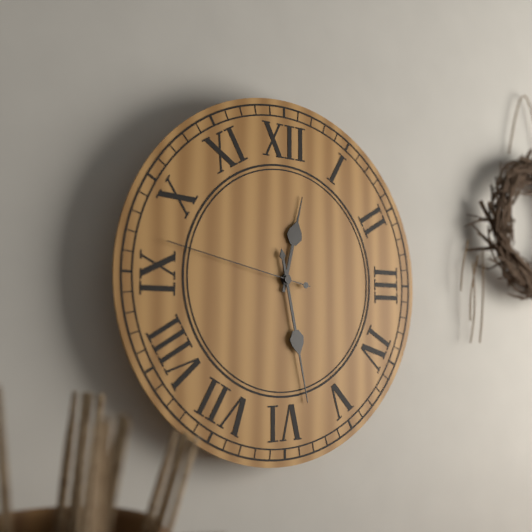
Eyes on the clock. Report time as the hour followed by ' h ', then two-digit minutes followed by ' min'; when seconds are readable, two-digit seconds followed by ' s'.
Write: 12 h 28 min 47 s
